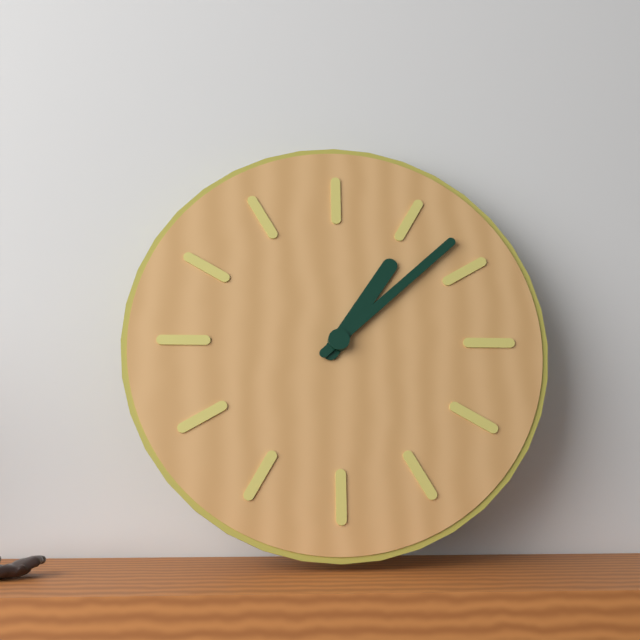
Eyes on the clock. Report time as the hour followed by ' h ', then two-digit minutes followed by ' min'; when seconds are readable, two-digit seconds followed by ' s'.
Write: 1 h 08 min
